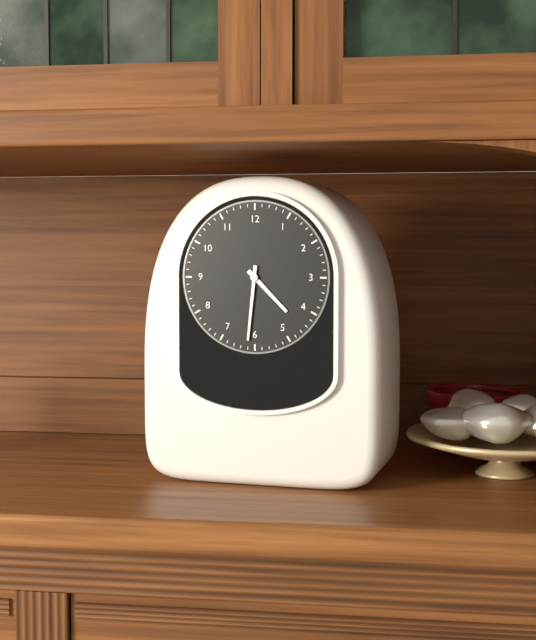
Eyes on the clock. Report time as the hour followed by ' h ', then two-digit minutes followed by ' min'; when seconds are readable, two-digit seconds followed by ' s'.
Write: 4 h 31 min
